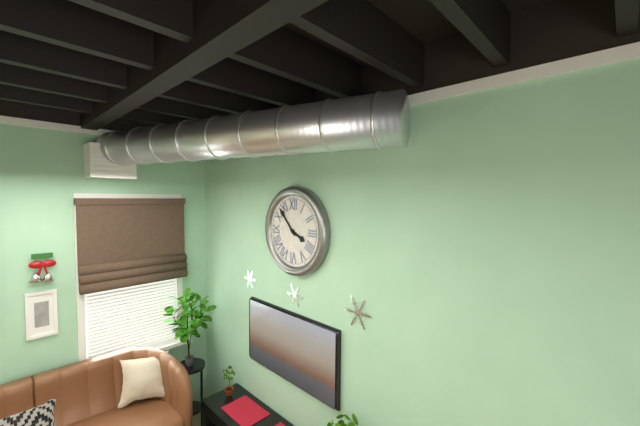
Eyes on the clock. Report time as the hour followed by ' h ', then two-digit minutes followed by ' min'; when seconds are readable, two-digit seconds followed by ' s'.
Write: 3 h 53 min
